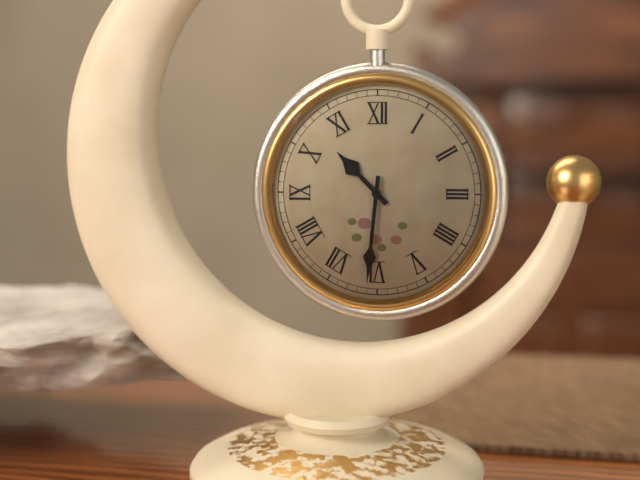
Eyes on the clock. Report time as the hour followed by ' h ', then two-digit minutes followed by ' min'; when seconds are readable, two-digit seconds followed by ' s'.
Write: 10 h 31 min
